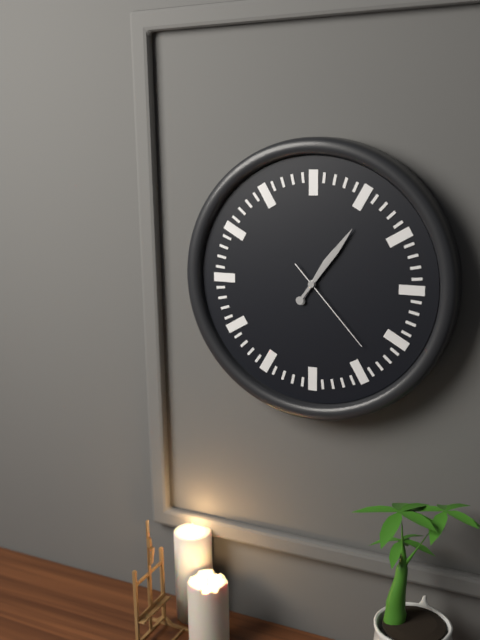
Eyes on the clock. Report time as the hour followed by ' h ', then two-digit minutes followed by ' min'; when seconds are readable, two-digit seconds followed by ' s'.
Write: 1 h 06 min 23 s
